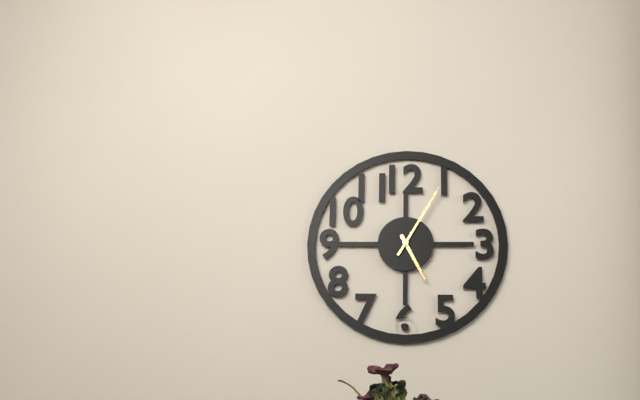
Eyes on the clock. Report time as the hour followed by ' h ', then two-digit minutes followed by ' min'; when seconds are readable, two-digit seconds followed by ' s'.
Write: 5 h 05 min
